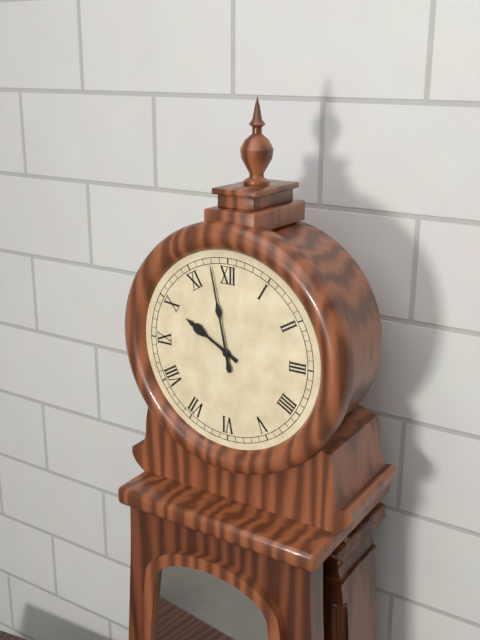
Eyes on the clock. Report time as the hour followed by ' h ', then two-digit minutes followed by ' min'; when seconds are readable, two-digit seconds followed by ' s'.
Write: 9 h 58 min
